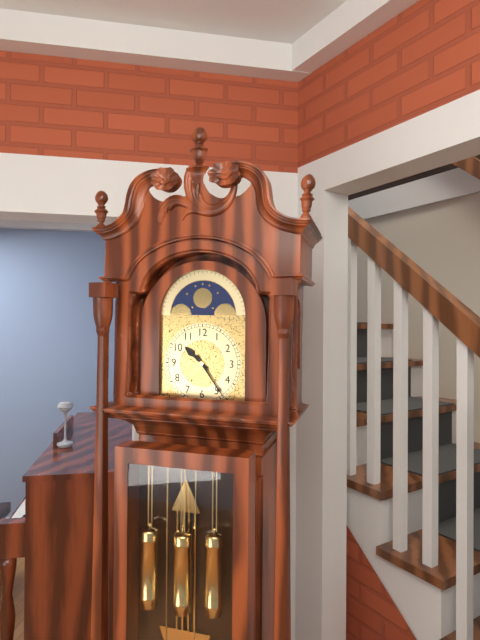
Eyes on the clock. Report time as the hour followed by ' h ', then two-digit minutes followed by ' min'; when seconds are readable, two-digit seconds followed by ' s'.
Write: 10 h 24 min
